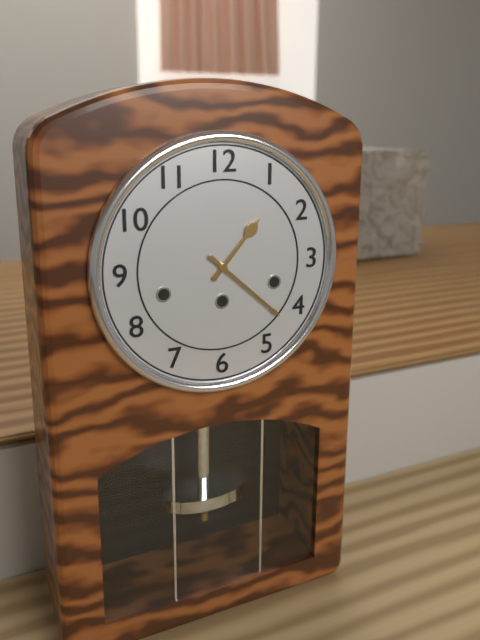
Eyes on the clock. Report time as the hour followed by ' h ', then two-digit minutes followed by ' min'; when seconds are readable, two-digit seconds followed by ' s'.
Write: 1 h 22 min
